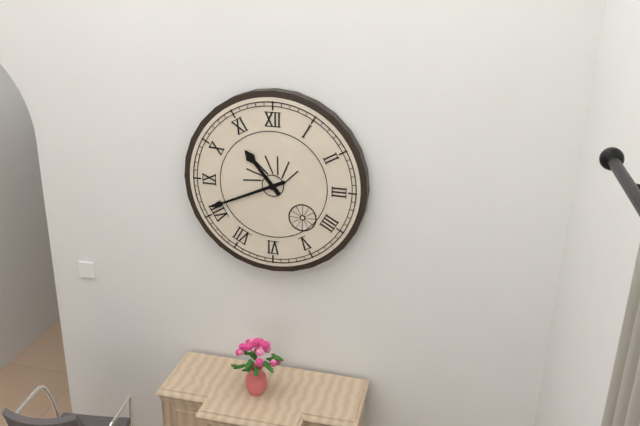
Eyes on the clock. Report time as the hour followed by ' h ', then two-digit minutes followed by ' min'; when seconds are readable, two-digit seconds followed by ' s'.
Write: 10 h 41 min
